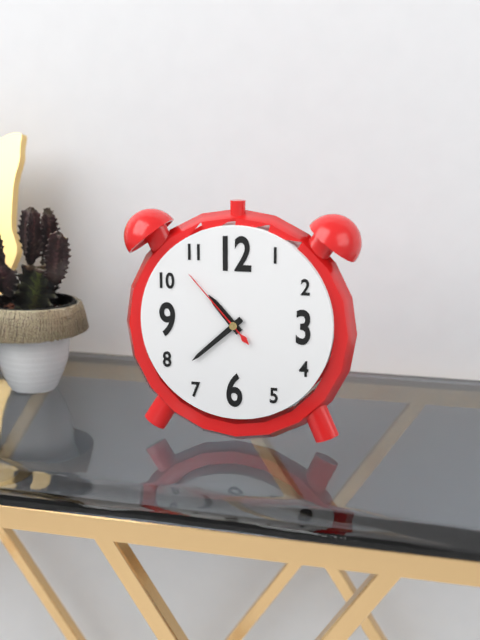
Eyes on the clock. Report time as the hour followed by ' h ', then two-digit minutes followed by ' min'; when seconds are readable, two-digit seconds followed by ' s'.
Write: 10 h 38 min 53 s
